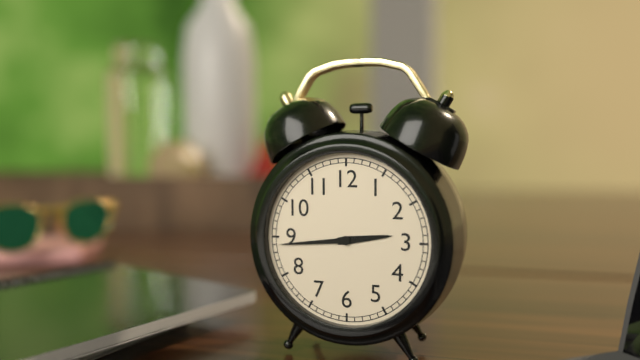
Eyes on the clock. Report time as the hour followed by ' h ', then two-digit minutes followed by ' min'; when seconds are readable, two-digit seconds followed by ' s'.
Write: 2 h 44 min
